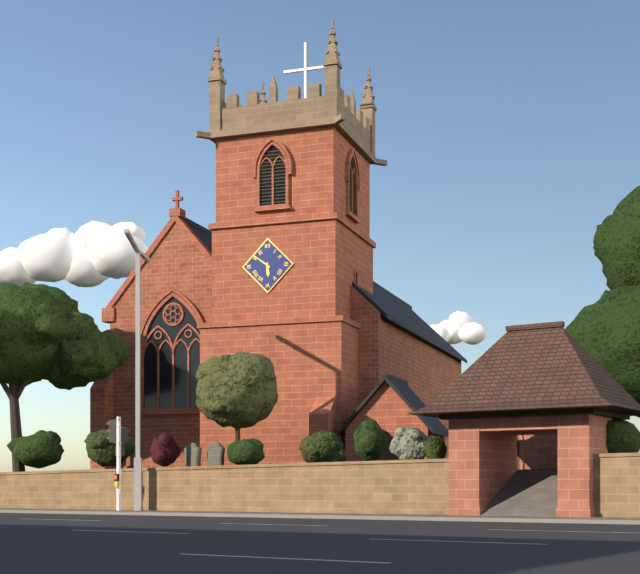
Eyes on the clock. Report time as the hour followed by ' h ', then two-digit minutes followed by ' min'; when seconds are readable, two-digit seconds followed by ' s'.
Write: 5 h 51 min
